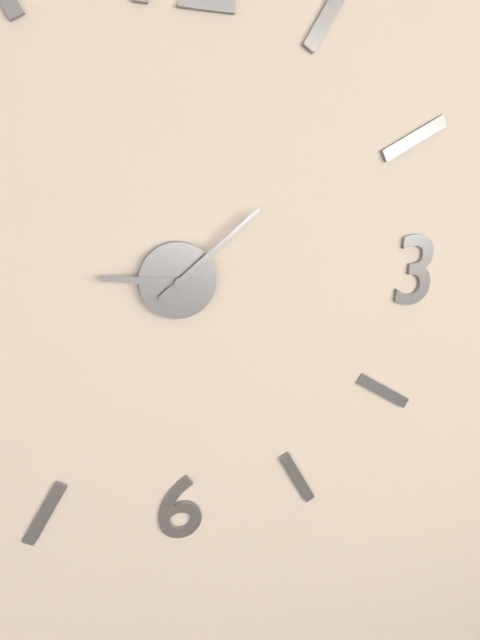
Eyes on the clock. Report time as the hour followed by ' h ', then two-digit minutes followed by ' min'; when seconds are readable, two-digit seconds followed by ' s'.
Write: 9 h 08 min
